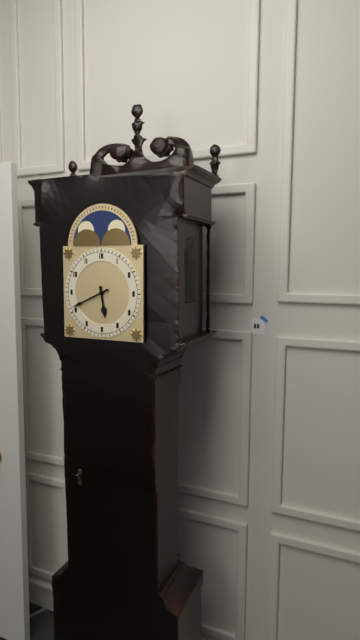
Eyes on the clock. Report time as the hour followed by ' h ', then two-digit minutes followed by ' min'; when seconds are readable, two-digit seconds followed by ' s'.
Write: 5 h 41 min
